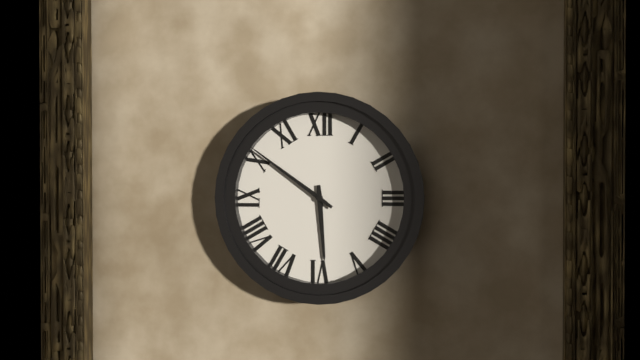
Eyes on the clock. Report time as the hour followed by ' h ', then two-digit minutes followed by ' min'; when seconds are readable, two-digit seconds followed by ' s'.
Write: 5 h 51 min
